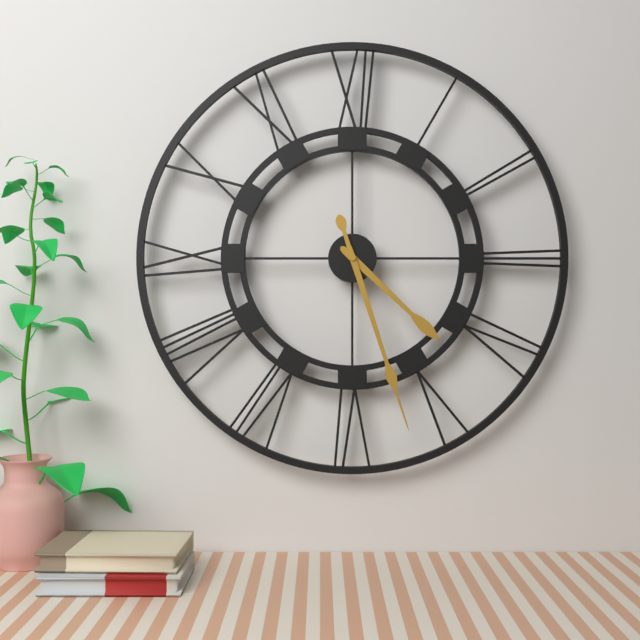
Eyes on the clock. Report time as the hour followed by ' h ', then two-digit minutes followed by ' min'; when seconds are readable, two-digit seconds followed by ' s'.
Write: 4 h 27 min
